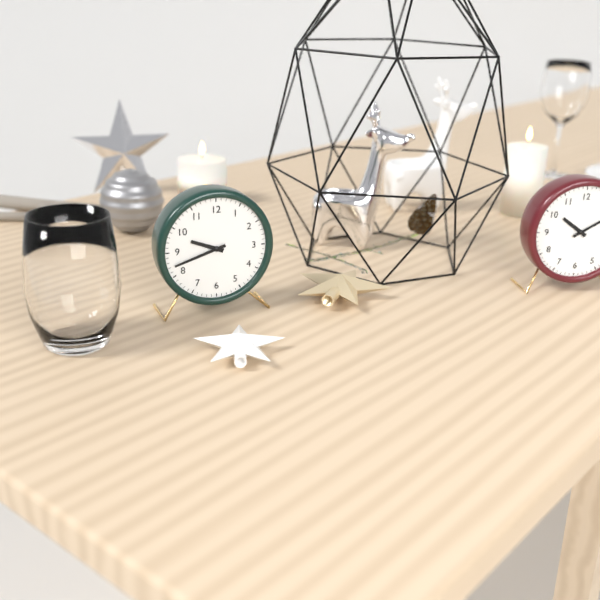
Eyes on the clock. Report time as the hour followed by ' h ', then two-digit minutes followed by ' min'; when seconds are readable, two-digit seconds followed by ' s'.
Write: 9 h 42 min
